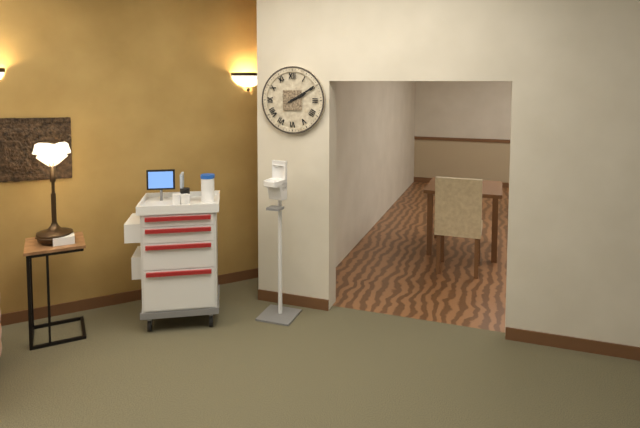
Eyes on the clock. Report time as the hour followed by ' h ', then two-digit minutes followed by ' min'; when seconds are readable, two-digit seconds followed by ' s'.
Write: 2 h 10 min
